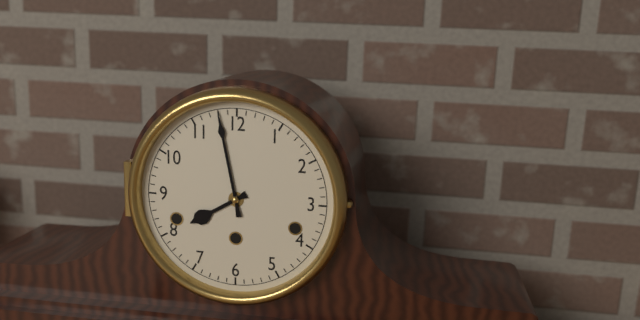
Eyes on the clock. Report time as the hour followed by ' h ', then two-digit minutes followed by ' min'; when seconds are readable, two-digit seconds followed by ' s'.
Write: 7 h 58 min
